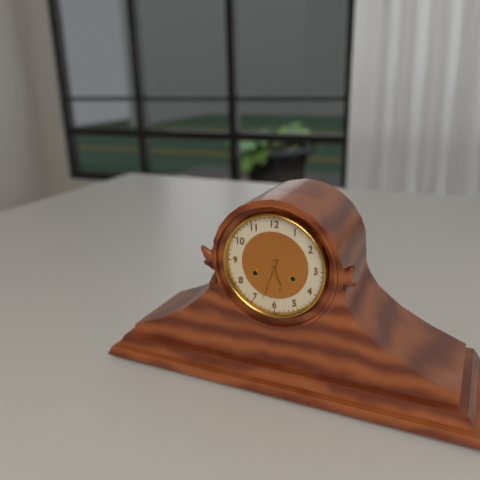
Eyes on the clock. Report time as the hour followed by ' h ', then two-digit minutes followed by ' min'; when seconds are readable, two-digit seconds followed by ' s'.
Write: 5 h 33 min
